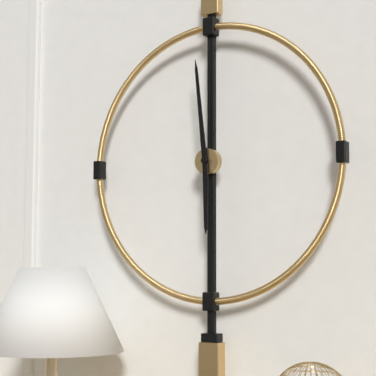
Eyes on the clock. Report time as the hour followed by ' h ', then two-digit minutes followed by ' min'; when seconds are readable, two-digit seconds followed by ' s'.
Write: 5 h 59 min
